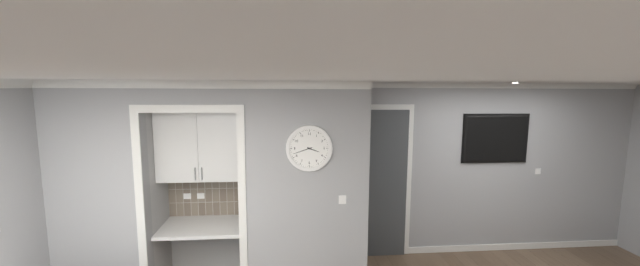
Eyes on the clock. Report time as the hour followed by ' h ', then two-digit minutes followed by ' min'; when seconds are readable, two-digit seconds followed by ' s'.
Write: 3 h 42 min
